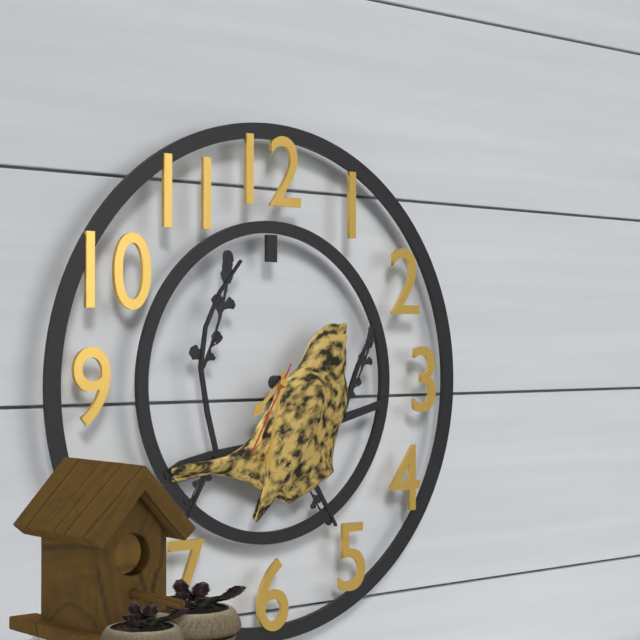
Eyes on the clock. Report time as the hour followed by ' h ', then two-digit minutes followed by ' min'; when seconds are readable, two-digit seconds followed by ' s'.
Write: 7 h 32 min 35 s
